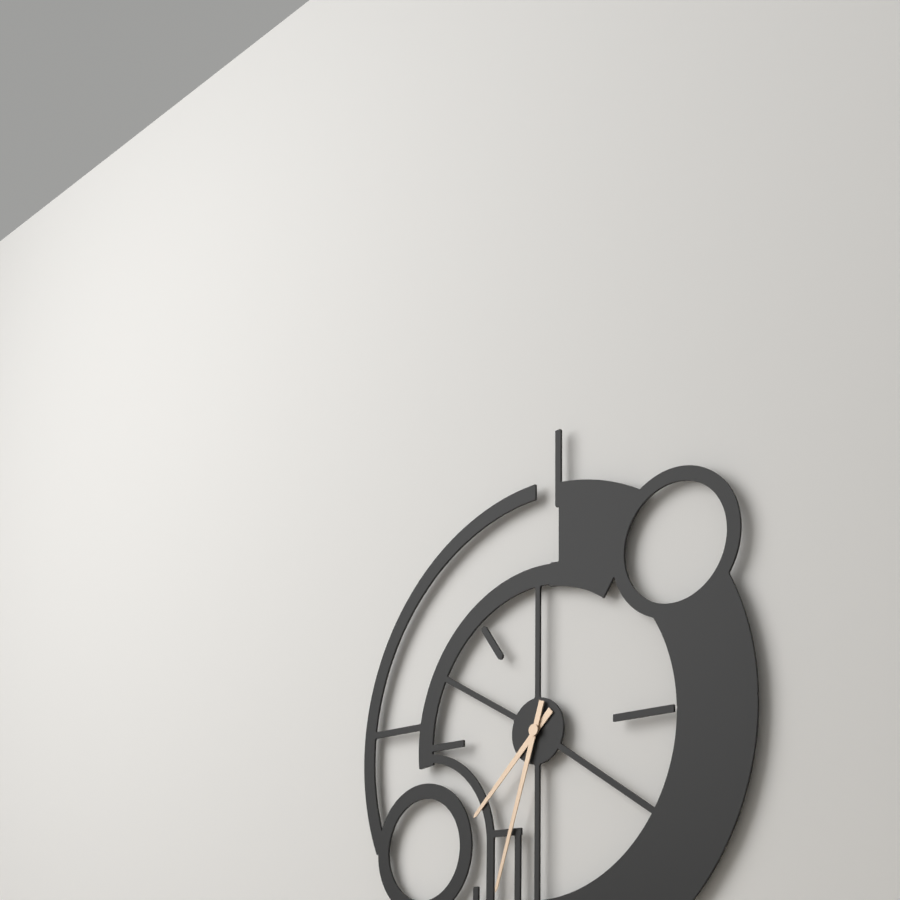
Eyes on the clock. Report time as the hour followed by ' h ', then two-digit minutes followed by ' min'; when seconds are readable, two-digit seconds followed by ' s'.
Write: 7 h 33 min
